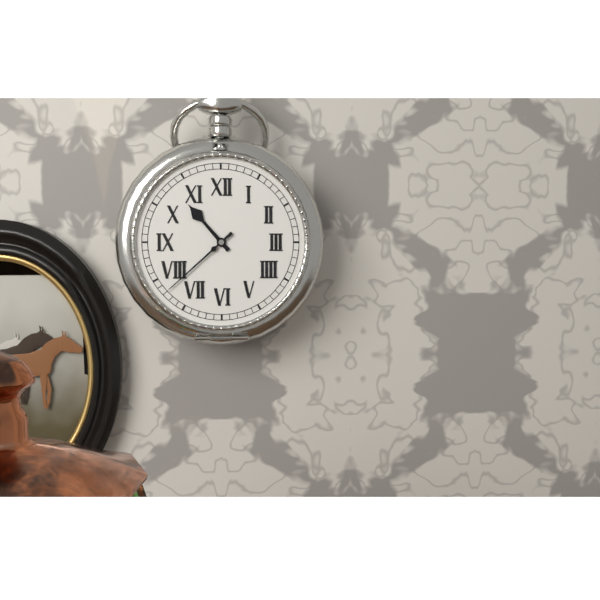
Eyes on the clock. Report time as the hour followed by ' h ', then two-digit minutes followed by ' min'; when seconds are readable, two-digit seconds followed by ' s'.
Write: 10 h 38 min
